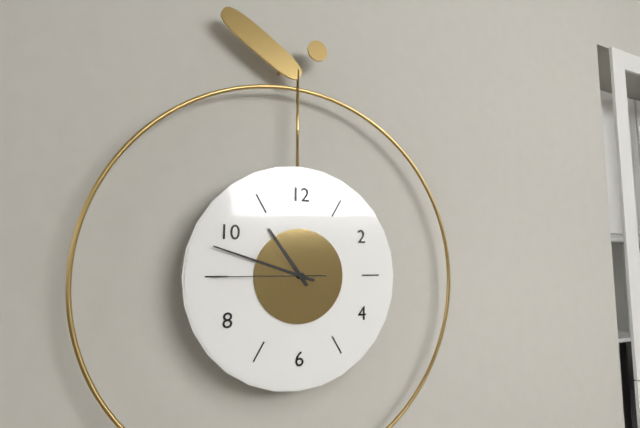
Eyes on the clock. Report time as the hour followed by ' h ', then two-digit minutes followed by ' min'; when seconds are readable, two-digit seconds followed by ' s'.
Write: 10 h 48 min 45 s
